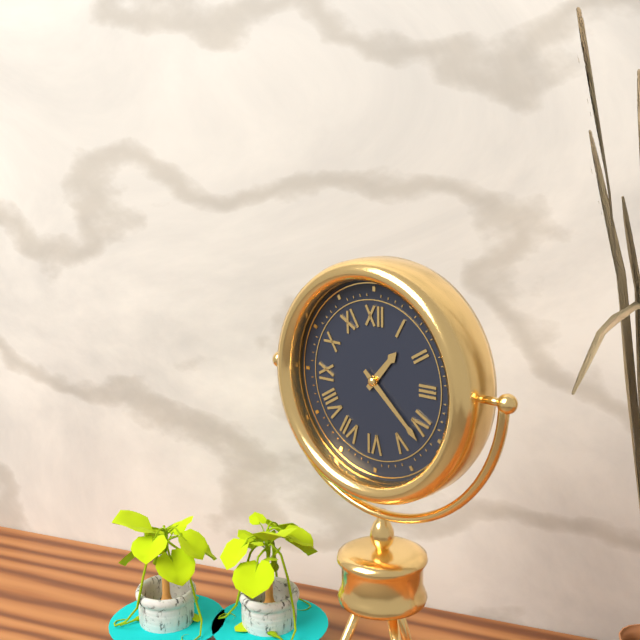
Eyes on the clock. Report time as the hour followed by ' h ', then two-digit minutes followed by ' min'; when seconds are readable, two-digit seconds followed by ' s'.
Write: 1 h 22 min
